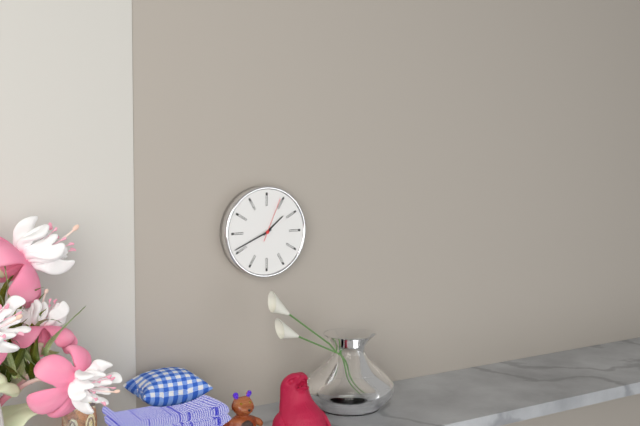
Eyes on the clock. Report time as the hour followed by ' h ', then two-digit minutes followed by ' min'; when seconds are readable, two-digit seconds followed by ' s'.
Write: 1 h 41 min
